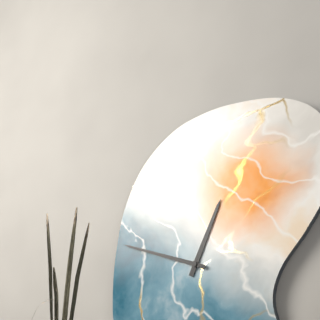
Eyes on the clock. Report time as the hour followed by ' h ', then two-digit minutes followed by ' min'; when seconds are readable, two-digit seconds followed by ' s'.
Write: 12 h 48 min
